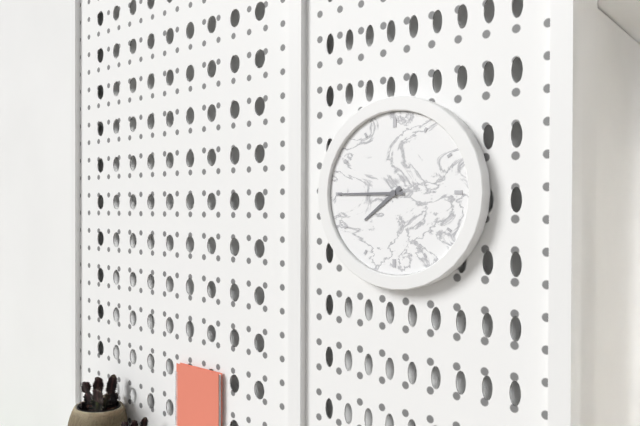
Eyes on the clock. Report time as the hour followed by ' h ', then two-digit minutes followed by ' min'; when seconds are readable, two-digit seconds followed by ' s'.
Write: 7 h 45 min
